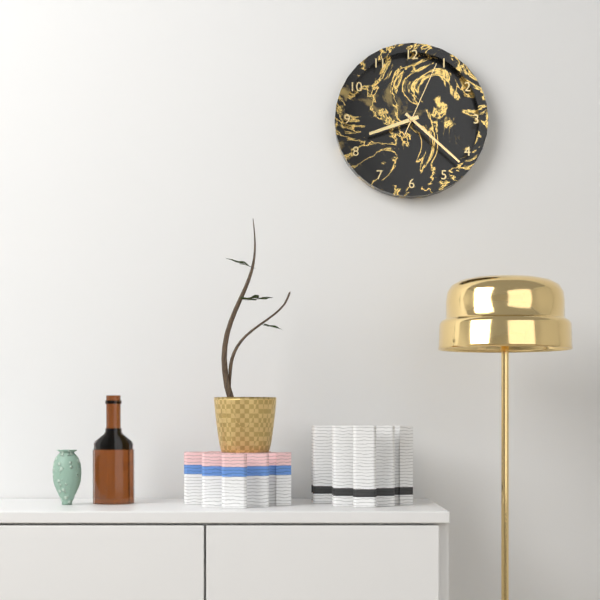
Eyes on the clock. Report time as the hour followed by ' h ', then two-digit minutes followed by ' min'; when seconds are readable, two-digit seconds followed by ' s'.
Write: 8 h 22 min 04 s
